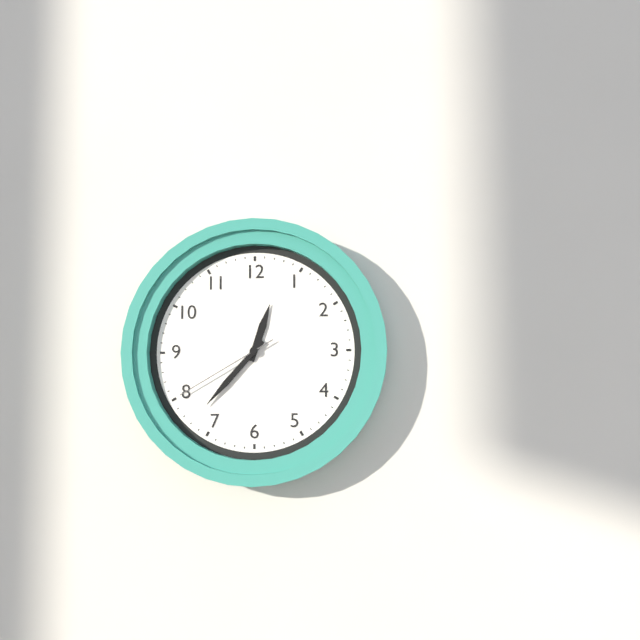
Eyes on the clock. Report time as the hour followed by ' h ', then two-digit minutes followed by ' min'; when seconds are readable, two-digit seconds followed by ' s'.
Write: 12 h 37 min 40 s
